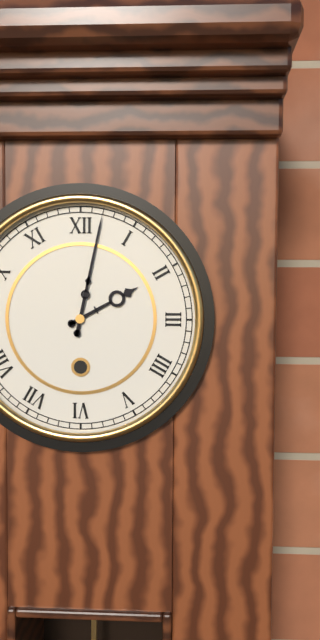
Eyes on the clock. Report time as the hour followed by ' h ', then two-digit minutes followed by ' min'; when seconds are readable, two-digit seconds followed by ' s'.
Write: 2 h 02 min
